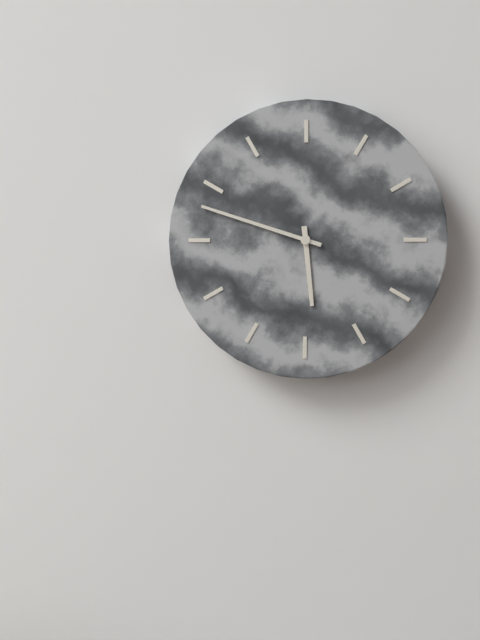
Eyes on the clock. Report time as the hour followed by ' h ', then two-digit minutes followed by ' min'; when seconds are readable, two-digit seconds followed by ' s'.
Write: 5 h 48 min
